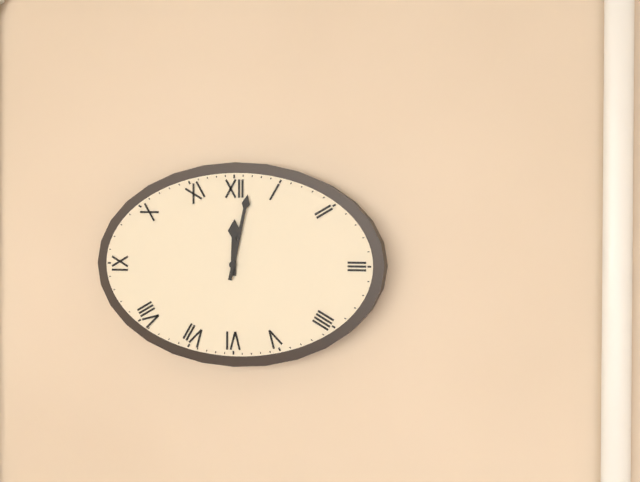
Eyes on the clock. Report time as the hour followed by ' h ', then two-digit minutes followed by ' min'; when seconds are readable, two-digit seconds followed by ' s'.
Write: 12 h 02 min
